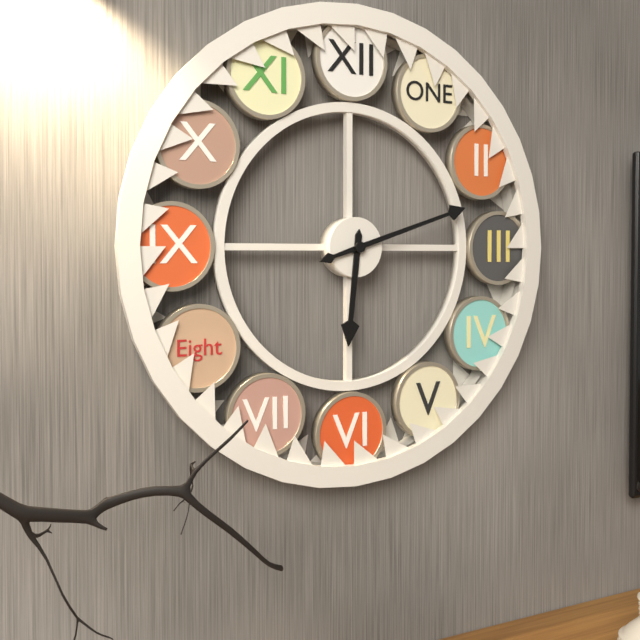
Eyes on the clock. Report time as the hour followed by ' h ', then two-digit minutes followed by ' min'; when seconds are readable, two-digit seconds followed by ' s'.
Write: 6 h 12 min
